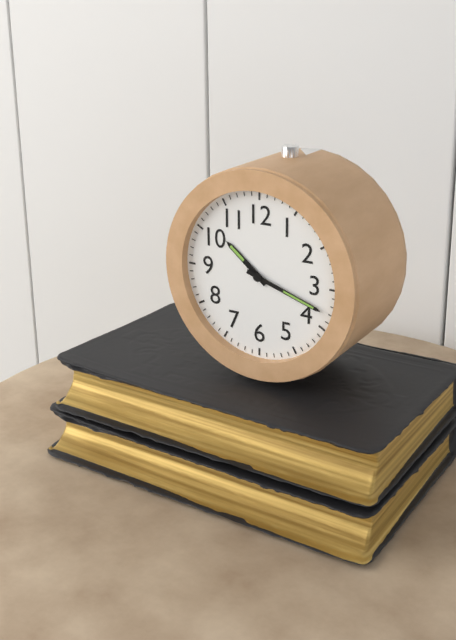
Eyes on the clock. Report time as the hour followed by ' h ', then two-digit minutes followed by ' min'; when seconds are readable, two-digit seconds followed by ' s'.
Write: 10 h 18 min
